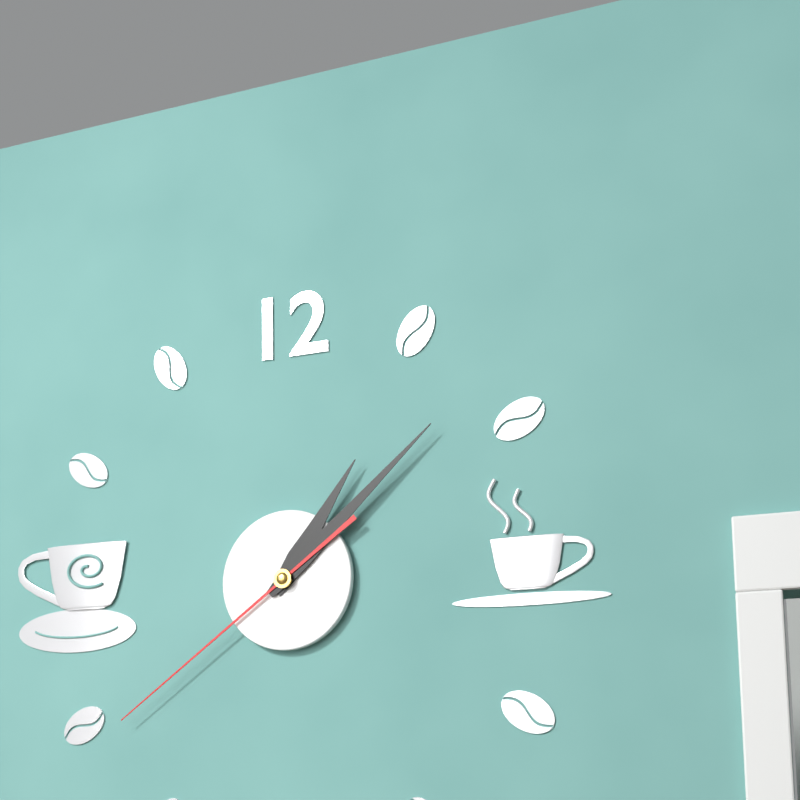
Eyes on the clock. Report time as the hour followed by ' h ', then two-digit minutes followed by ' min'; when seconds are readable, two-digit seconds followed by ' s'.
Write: 1 h 08 min 39 s
